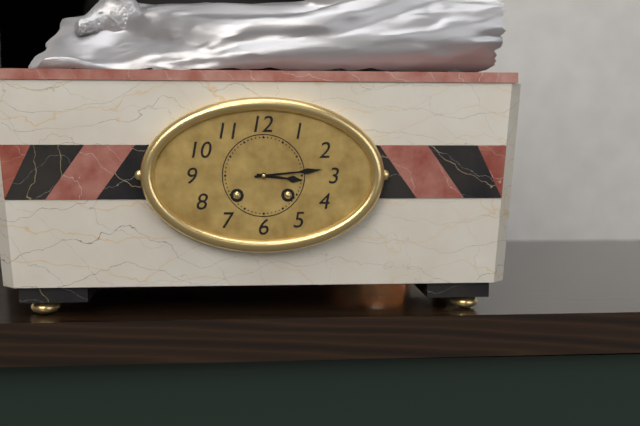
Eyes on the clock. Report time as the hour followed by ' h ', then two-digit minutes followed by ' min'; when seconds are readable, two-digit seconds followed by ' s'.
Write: 3 h 14 min
